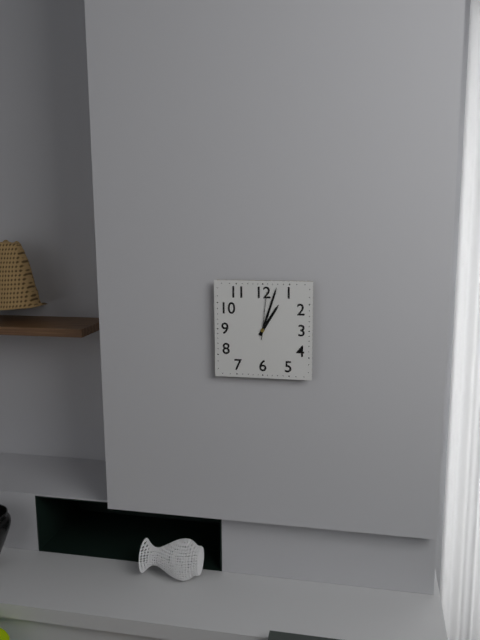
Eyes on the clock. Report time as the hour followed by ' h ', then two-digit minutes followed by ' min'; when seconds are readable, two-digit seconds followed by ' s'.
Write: 1 h 03 min 01 s
